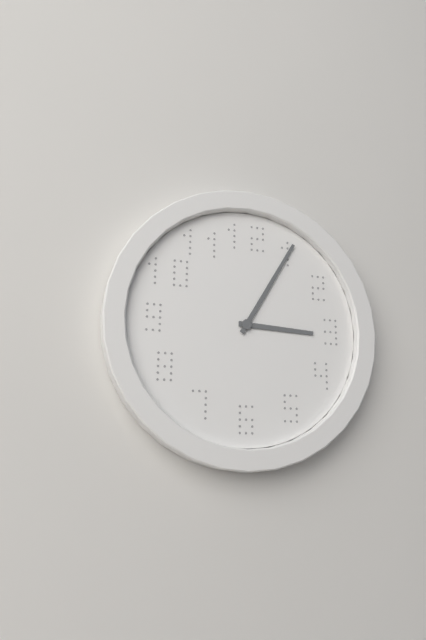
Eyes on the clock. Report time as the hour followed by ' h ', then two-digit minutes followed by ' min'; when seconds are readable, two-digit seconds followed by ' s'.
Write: 3 h 05 min
